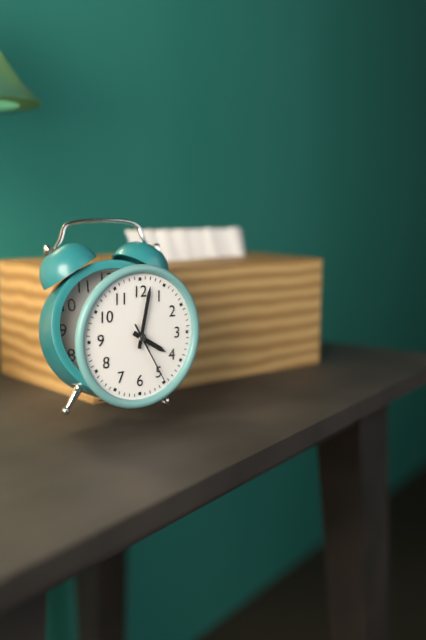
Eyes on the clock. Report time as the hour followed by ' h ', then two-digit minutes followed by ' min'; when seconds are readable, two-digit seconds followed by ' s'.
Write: 4 h 02 min 25 s
